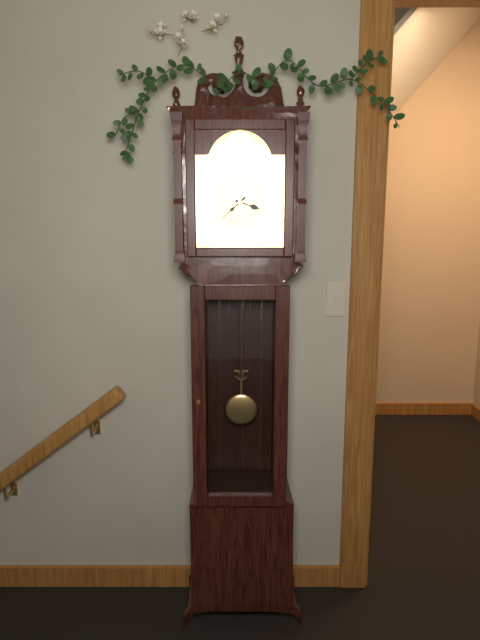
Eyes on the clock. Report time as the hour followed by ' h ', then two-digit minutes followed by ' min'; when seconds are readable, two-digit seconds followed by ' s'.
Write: 3 h 38 min
